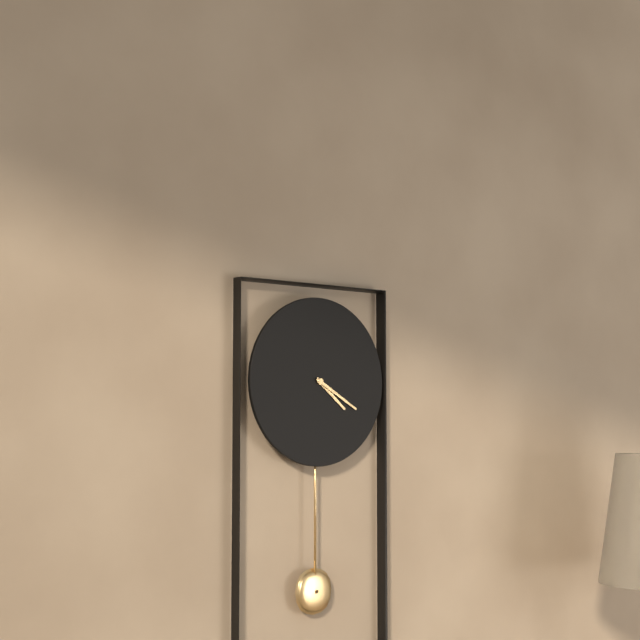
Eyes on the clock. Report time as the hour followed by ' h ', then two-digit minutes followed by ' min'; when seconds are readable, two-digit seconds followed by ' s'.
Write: 4 h 20 min
